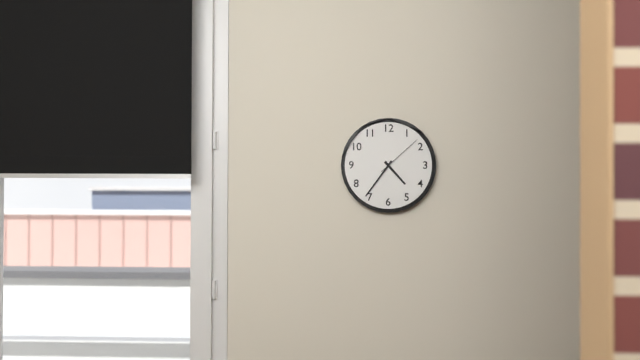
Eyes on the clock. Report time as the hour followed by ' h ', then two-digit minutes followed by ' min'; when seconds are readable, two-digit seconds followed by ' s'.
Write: 4 h 36 min
